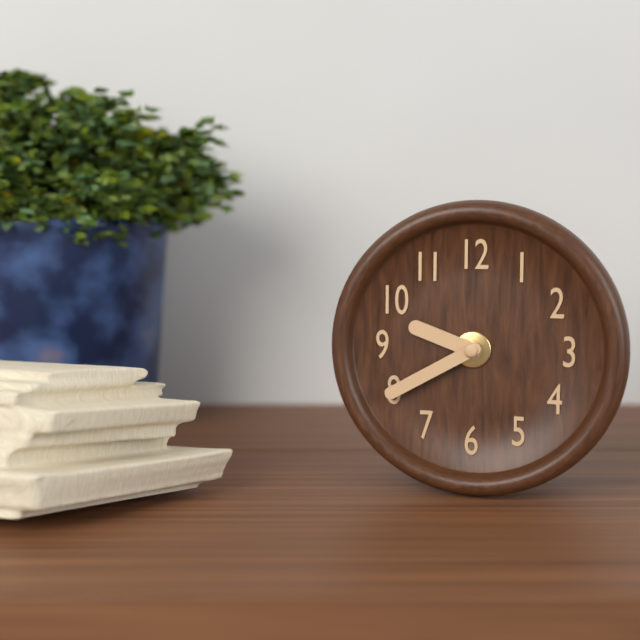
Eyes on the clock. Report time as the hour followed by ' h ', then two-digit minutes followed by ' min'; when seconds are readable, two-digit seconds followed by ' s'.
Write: 9 h 40 min
